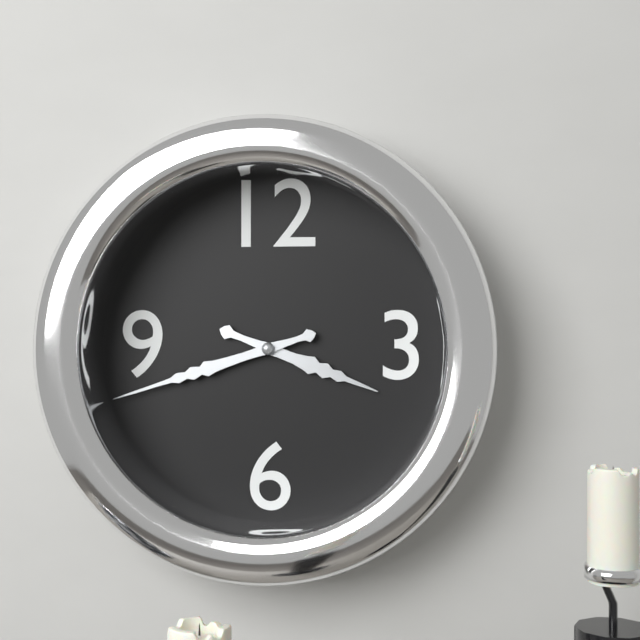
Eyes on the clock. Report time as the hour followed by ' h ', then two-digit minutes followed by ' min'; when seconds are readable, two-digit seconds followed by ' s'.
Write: 3 h 42 min
